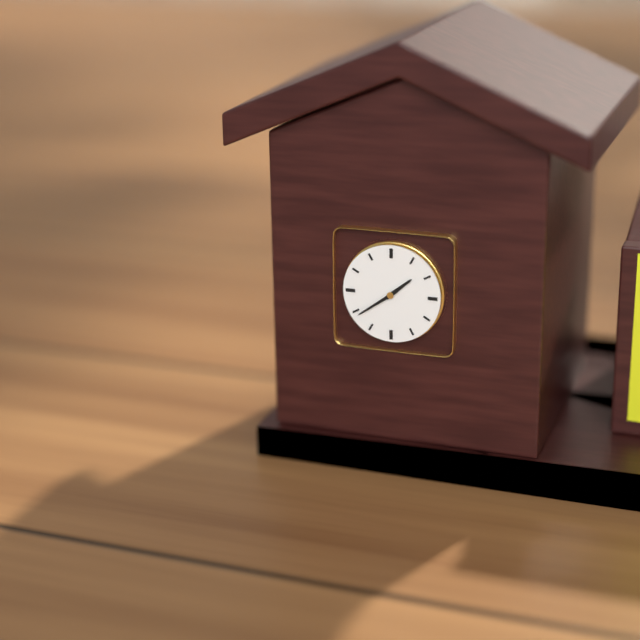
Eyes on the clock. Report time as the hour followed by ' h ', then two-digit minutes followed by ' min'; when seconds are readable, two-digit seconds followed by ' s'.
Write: 1 h 39 min
